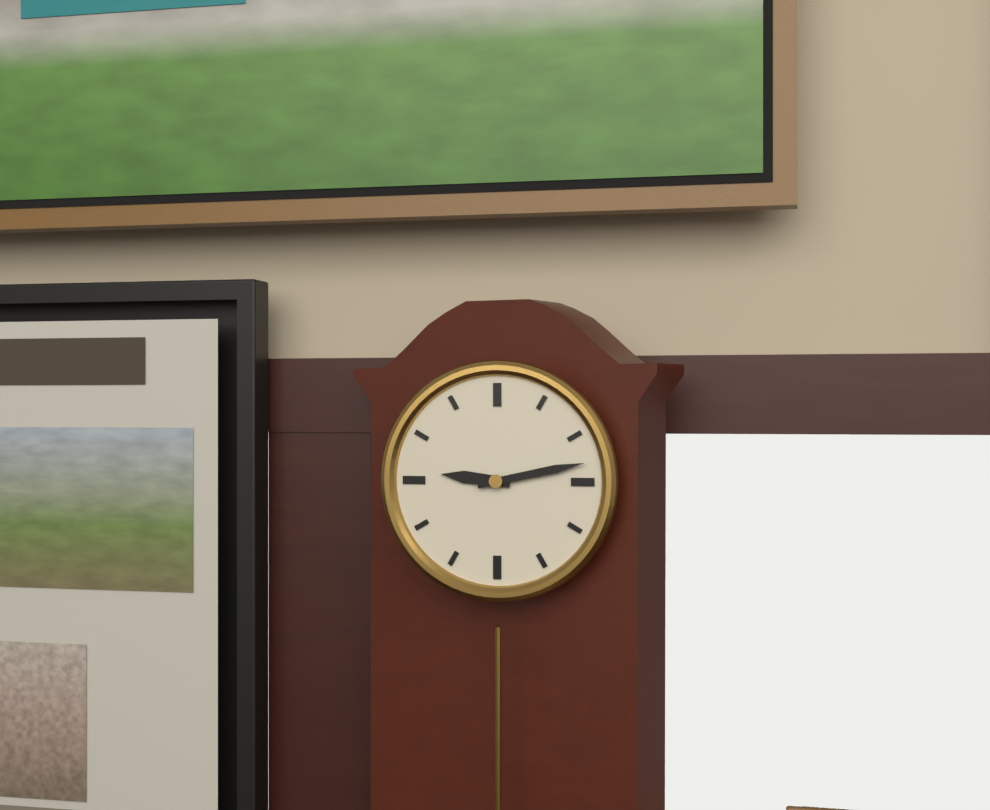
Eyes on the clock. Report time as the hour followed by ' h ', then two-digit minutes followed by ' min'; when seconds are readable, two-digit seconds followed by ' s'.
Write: 9 h 13 min
